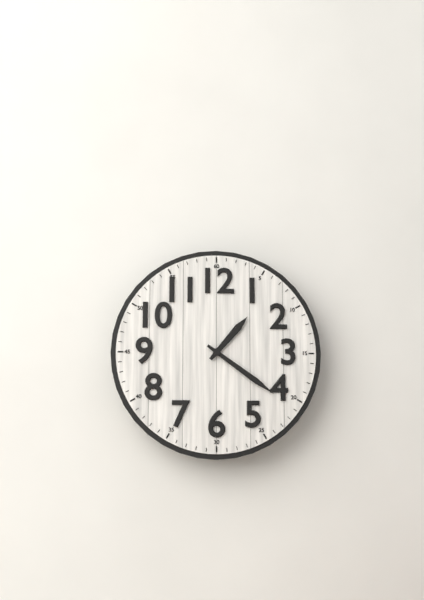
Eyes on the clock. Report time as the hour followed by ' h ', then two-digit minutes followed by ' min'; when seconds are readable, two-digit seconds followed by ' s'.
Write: 1 h 21 min
